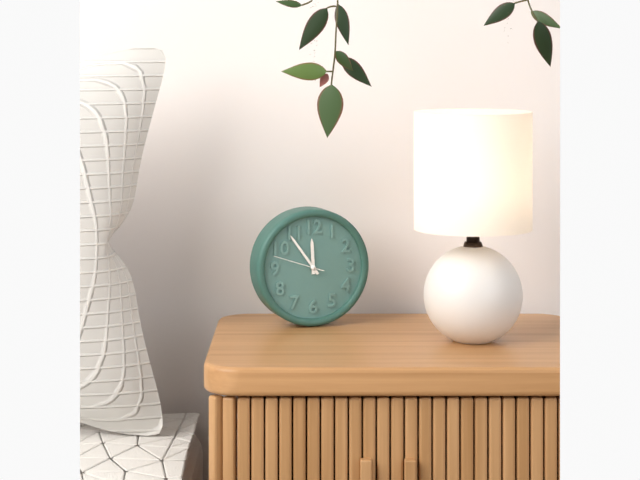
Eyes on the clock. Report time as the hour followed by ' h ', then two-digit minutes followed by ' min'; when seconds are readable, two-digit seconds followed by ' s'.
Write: 11 h 54 min 48 s
